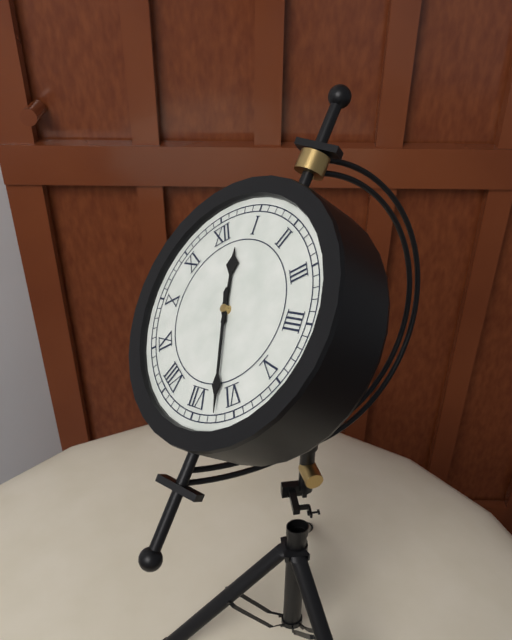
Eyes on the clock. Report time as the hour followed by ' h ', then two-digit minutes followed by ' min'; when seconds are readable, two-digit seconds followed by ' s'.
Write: 12 h 32 min
